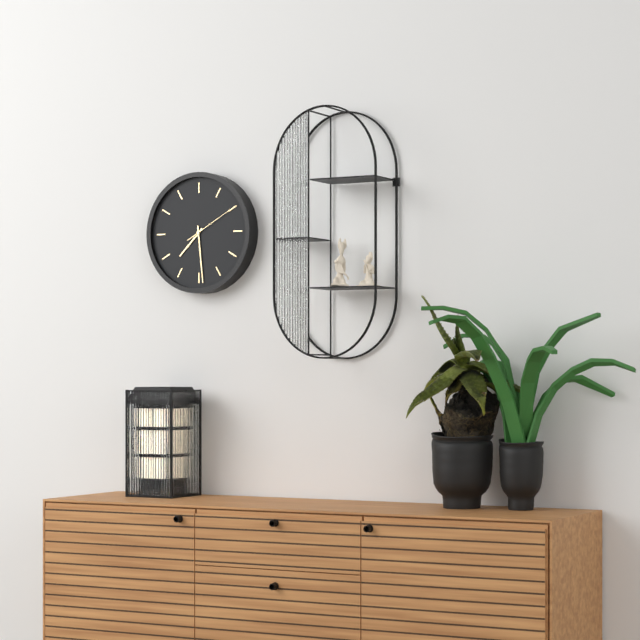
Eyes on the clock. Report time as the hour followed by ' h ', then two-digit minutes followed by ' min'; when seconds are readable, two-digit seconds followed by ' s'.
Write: 7 h 29 min 10 s
